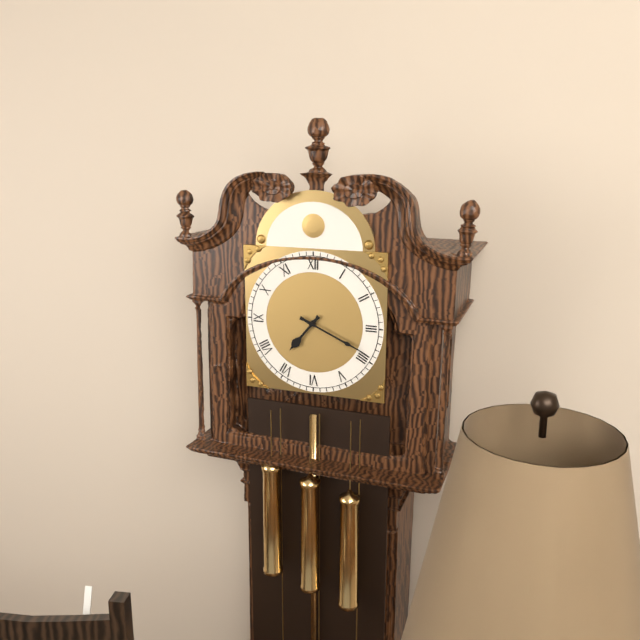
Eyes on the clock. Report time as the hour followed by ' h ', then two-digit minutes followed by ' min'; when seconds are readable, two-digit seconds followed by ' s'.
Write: 7 h 19 min
